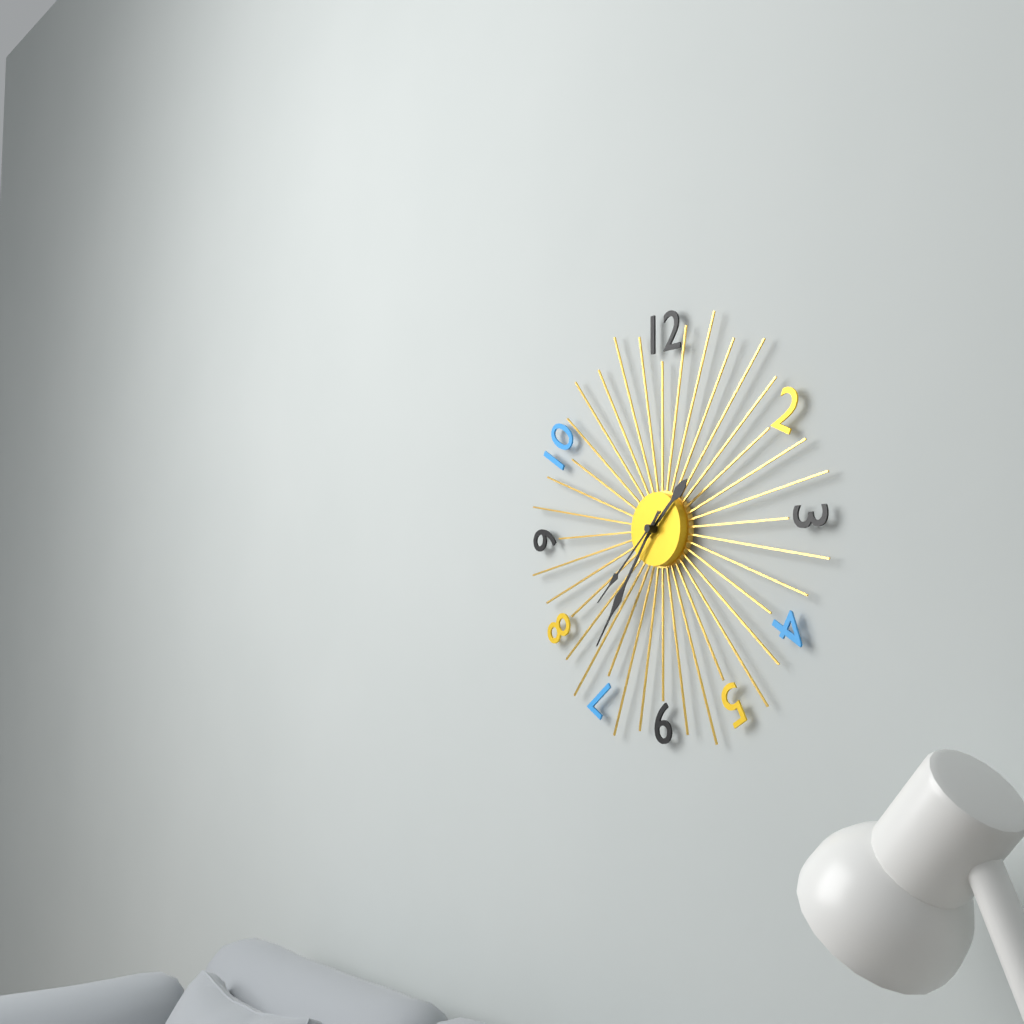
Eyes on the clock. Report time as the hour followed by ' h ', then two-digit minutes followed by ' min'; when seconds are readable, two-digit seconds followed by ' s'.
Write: 1 h 36 min 38 s
